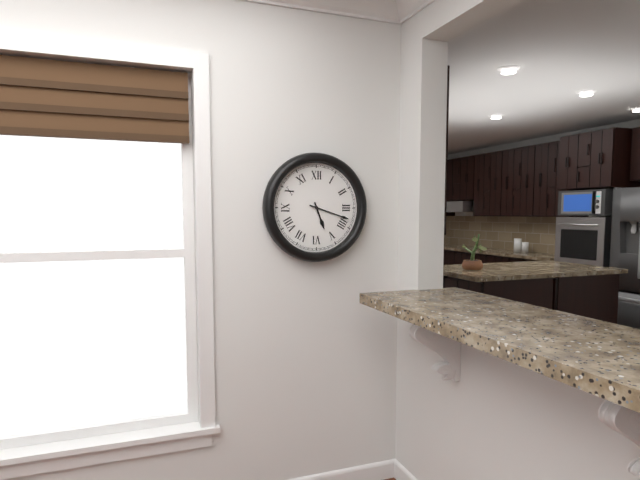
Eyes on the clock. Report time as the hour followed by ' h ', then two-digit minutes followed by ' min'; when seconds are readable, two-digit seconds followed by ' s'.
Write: 5 h 18 min
